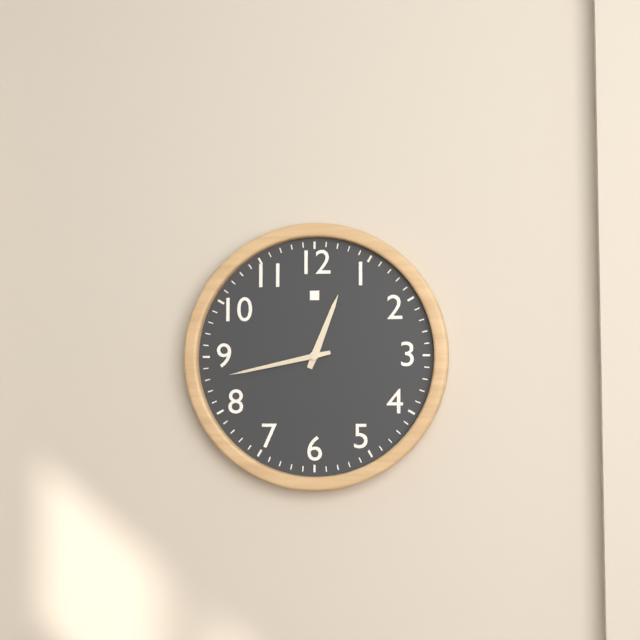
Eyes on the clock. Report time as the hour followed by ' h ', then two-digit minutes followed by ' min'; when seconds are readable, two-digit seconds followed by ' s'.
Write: 12 h 43 min
